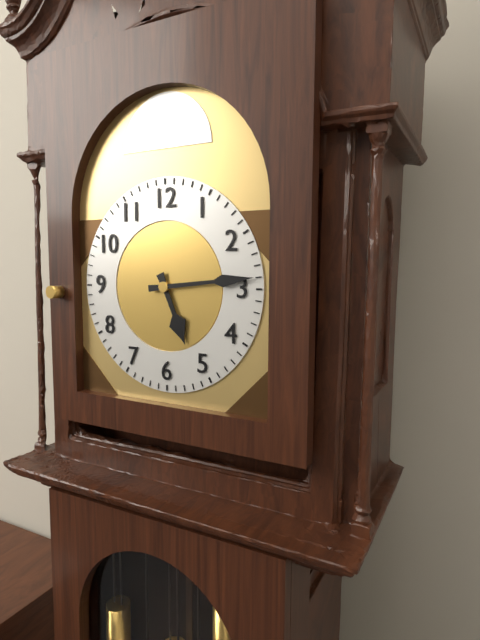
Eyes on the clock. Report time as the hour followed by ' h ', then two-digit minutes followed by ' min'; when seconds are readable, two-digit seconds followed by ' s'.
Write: 5 h 14 min
